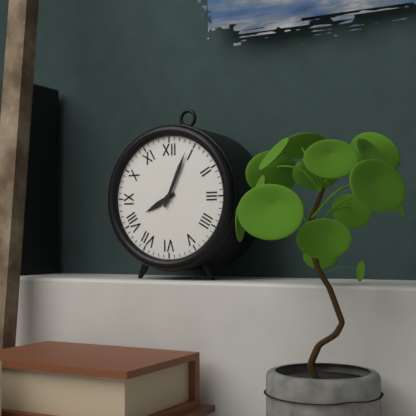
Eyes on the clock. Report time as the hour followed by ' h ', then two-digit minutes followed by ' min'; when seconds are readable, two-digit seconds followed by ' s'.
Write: 8 h 04 min
